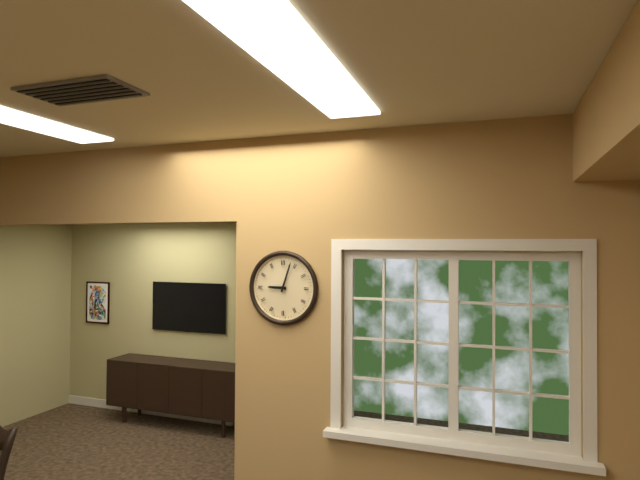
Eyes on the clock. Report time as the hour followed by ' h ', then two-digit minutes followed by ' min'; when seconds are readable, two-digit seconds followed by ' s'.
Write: 9 h 03 min
